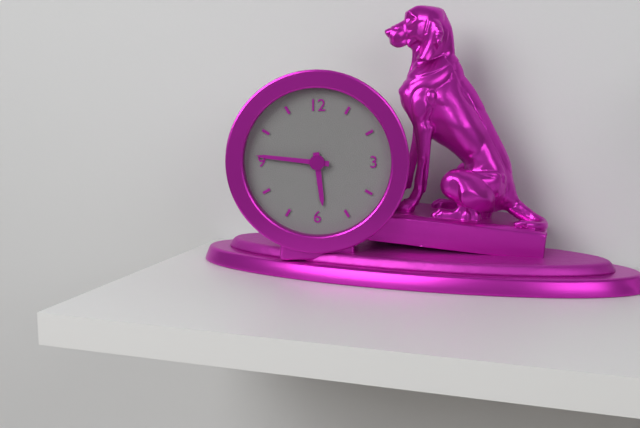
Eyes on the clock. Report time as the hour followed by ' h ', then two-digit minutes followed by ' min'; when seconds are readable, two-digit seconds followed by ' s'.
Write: 5 h 46 min
